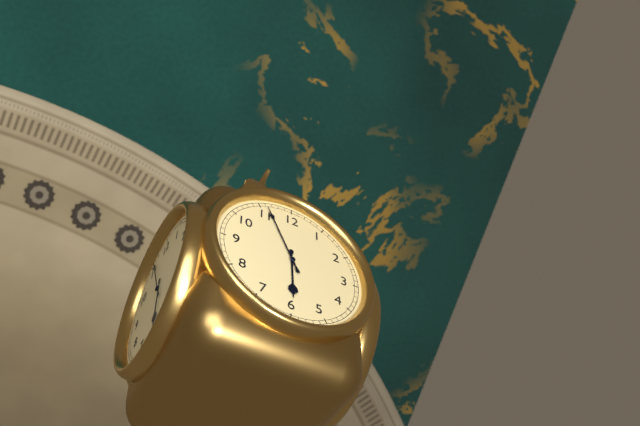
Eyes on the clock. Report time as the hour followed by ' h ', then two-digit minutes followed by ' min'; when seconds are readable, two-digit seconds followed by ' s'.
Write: 5 h 56 min
